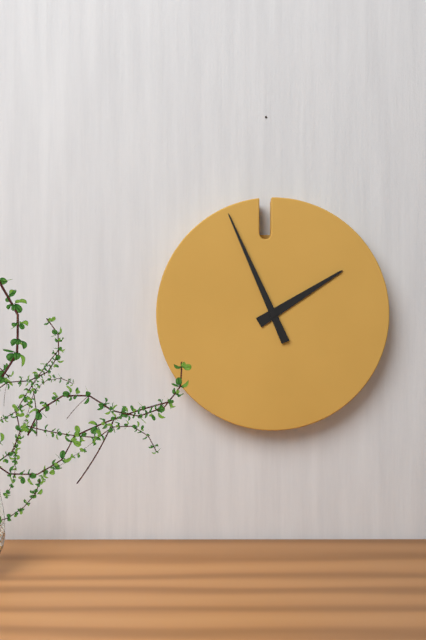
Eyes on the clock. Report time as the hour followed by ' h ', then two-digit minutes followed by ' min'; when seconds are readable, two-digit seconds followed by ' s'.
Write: 1 h 56 min
